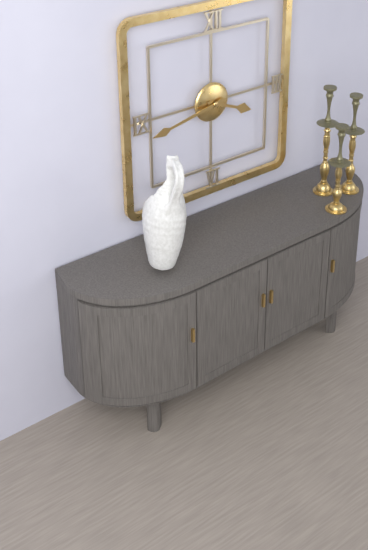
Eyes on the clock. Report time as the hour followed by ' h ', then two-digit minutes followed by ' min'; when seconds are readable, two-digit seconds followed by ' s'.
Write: 3 h 43 min
